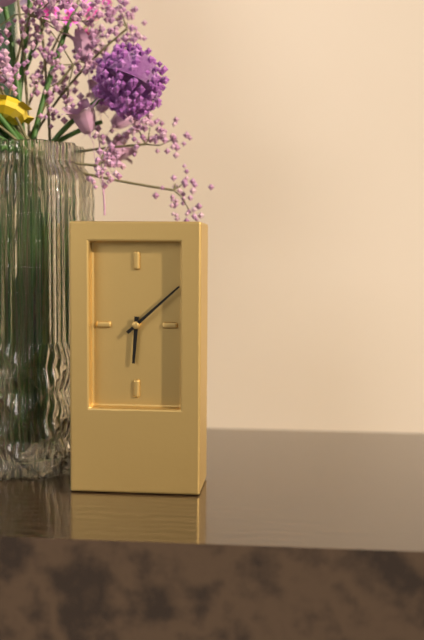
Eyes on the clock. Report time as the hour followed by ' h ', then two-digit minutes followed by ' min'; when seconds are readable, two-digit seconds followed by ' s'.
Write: 6 h 08 min
